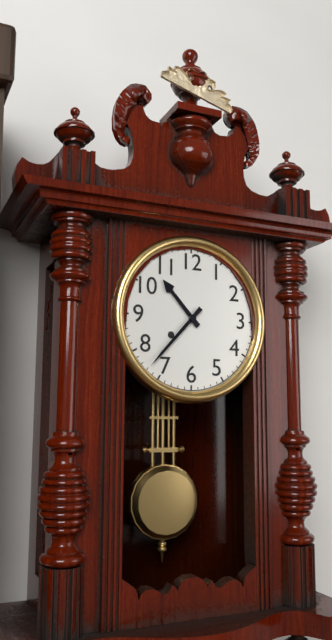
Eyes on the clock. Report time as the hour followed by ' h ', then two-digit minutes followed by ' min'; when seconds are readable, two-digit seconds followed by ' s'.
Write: 10 h 37 min
